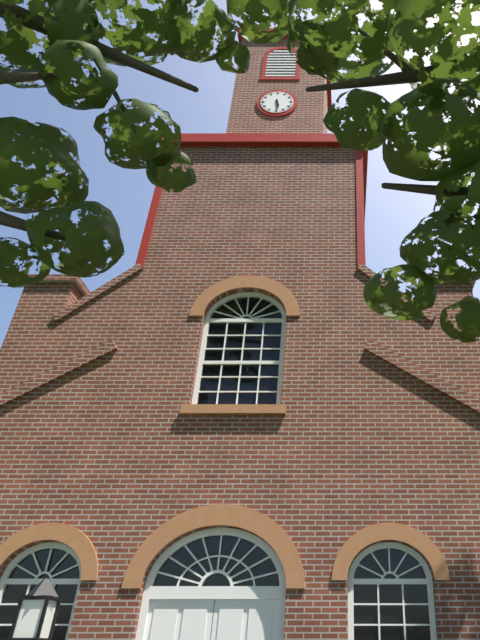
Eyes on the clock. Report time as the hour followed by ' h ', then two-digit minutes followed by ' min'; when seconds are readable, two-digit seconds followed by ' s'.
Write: 5 h 29 min
